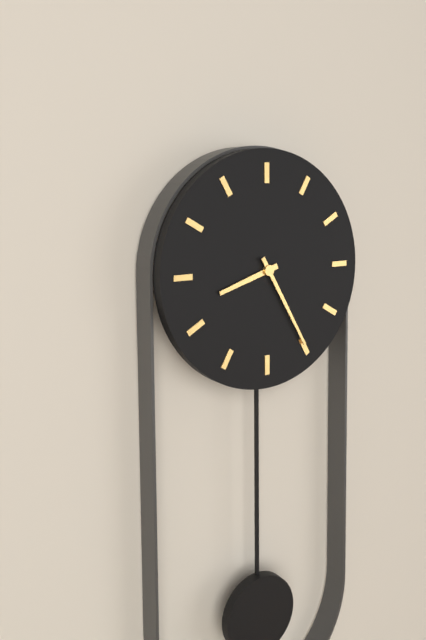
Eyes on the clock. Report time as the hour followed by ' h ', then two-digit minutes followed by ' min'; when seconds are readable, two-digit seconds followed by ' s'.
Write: 8 h 25 min
